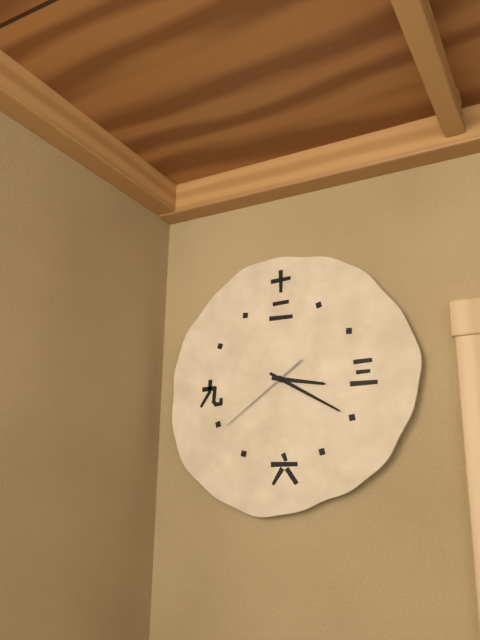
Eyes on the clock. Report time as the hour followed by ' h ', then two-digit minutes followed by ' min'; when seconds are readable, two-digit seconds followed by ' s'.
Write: 3 h 20 min 39 s
